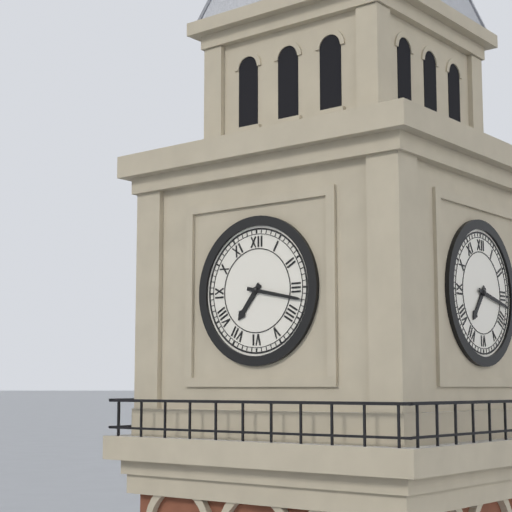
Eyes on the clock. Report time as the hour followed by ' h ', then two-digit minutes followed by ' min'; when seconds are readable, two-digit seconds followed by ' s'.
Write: 7 h 17 min
